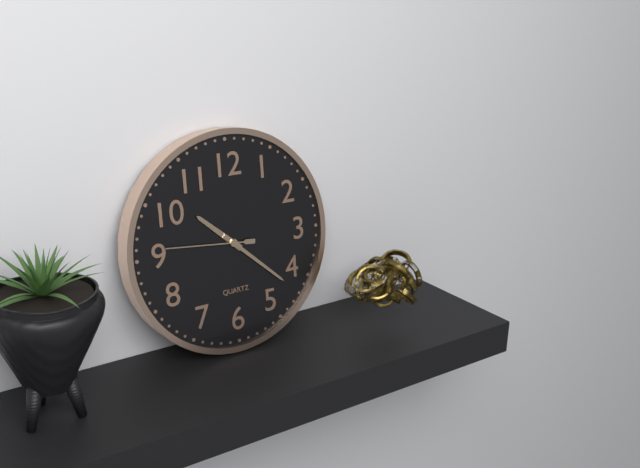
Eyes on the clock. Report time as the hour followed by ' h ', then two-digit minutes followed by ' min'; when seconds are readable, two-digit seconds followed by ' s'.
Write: 10 h 22 min 46 s
